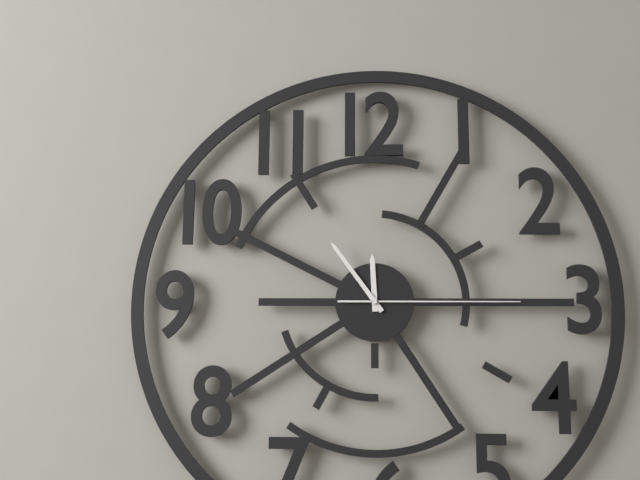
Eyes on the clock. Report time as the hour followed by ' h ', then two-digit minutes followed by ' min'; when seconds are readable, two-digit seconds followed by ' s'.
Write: 11 h 54 min 15 s
